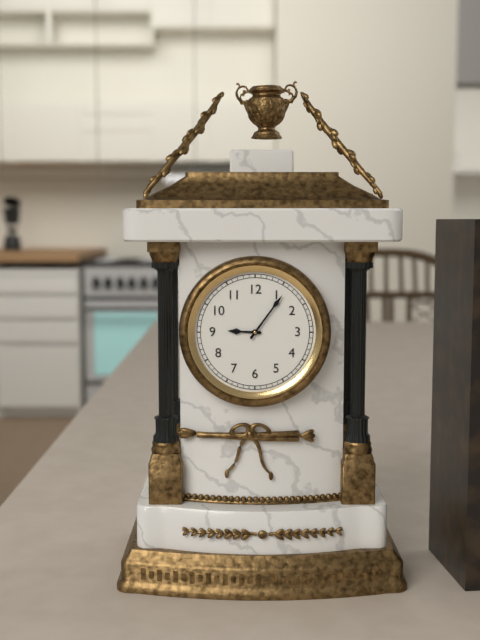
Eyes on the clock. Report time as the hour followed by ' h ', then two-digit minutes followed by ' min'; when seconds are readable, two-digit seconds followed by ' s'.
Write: 9 h 06 min
